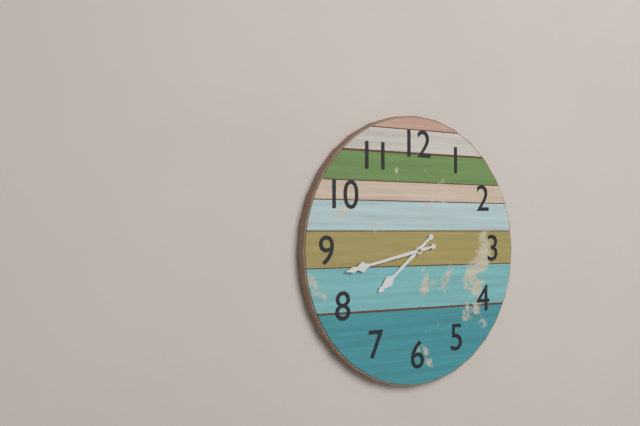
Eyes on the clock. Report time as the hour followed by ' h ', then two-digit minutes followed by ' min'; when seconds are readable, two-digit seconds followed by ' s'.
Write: 7 h 43 min
